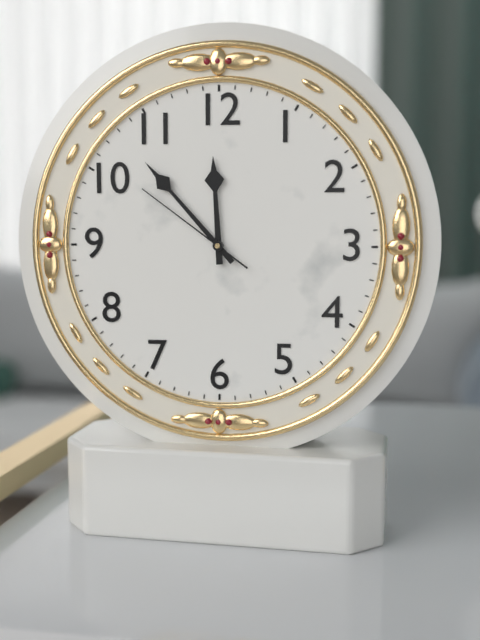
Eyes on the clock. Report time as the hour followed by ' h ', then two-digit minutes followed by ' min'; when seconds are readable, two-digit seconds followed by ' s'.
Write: 11 h 53 min 51 s
